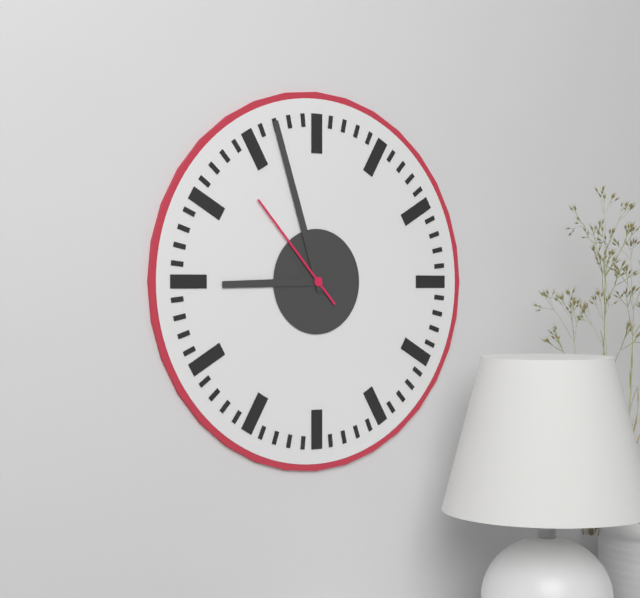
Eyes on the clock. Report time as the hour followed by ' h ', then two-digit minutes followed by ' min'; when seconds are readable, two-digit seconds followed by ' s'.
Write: 8 h 57 min 53 s
